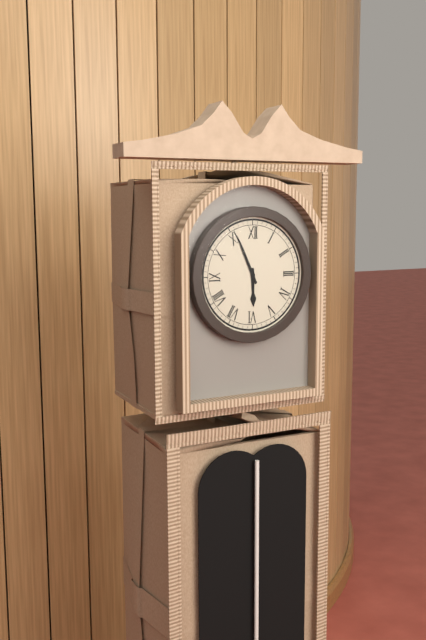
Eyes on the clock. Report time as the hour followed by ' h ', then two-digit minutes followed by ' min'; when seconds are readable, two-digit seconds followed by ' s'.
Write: 5 h 56 min
